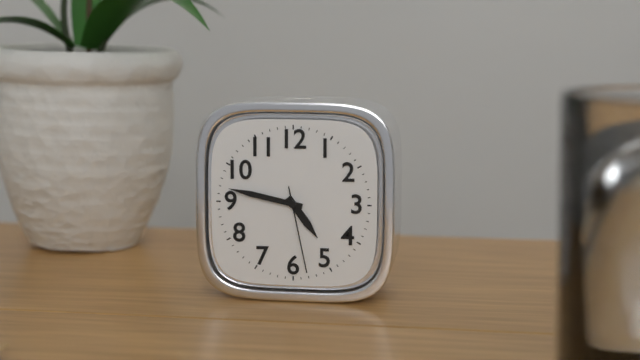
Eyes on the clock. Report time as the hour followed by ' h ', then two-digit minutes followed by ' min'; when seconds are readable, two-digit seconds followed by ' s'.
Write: 4 h 47 min 28 s
